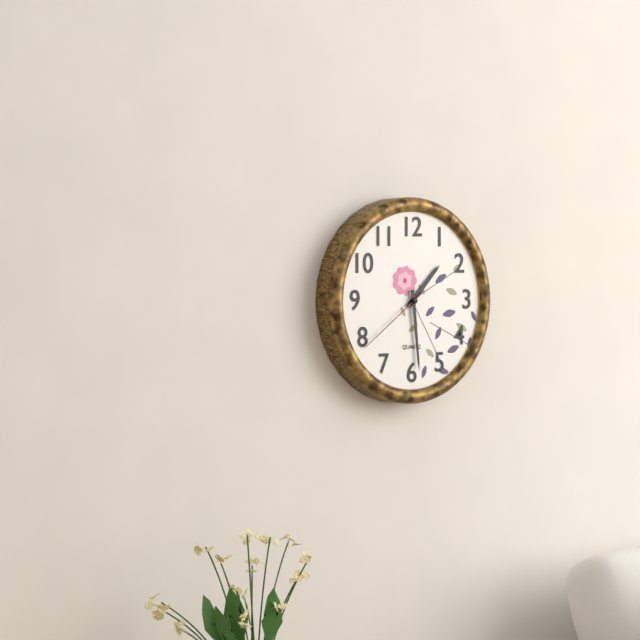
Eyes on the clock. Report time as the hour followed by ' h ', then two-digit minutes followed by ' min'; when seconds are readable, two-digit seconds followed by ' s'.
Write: 1 h 29 min 39 s
